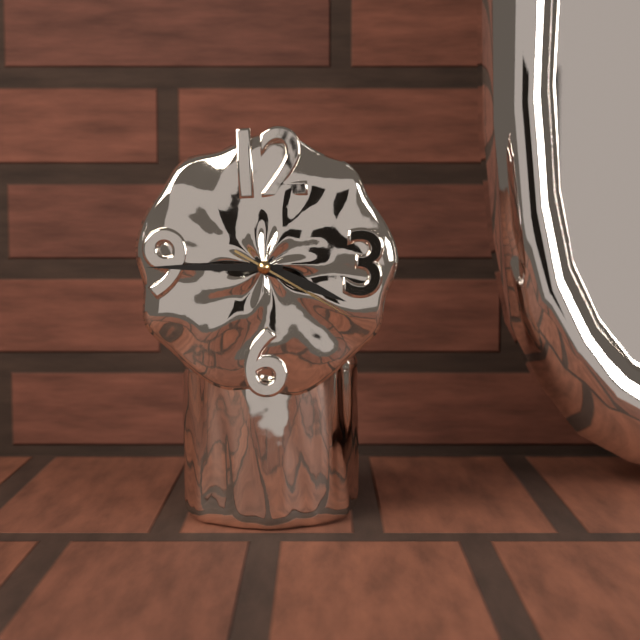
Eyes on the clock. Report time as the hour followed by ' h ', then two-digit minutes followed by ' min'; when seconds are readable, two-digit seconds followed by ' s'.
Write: 3 h 45 min 20 s
